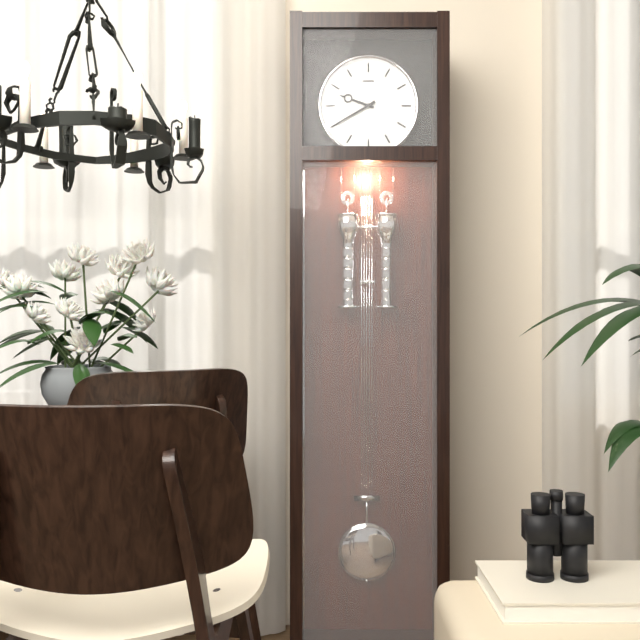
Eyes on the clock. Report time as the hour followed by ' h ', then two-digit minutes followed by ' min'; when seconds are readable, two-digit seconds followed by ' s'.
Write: 9 h 40 min
